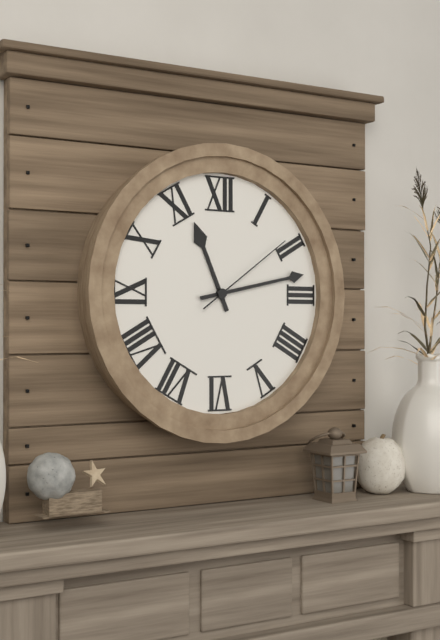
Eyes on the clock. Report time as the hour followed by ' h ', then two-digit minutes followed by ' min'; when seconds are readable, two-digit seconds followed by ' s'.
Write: 11 h 13 min 09 s
